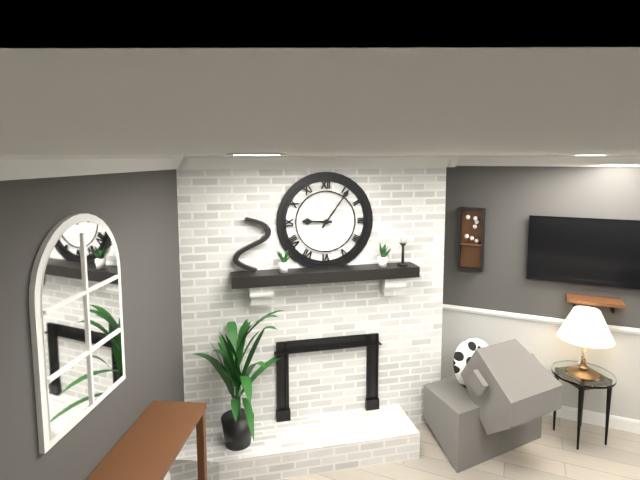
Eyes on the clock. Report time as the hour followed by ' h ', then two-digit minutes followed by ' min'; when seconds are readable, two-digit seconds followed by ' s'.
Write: 9 h 06 min
